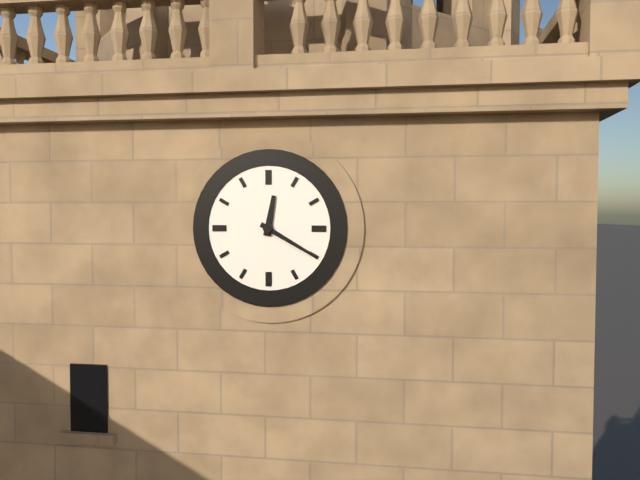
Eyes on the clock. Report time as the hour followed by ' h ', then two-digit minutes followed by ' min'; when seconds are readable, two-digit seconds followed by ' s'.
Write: 12 h 20 min
